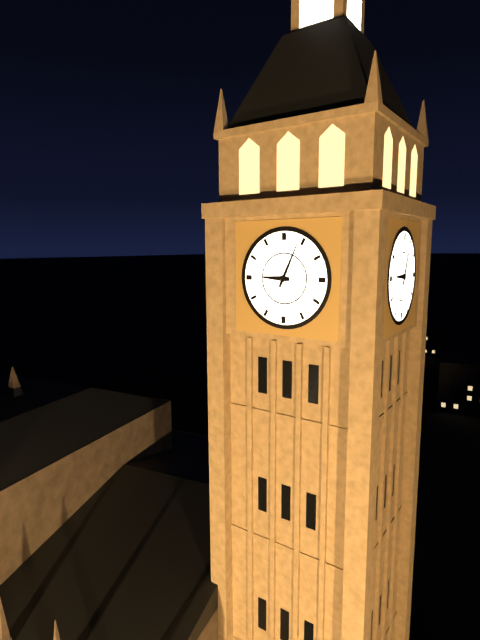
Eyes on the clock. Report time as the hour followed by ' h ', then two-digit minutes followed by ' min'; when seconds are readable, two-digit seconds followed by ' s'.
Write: 9 h 04 min
